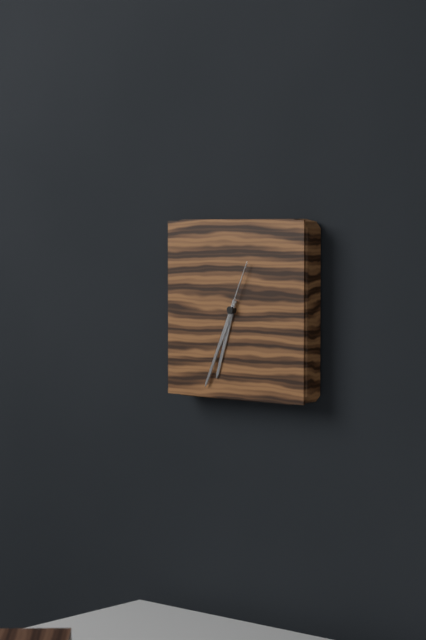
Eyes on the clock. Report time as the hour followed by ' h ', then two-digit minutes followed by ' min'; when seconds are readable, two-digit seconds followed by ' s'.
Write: 6 h 34 min 04 s
